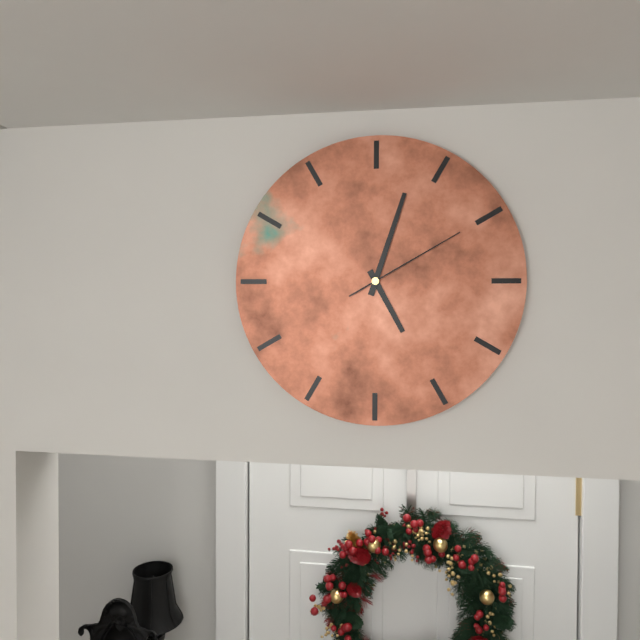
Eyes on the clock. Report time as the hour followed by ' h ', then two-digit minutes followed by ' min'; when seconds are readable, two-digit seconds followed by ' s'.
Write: 5 h 03 min 10 s
